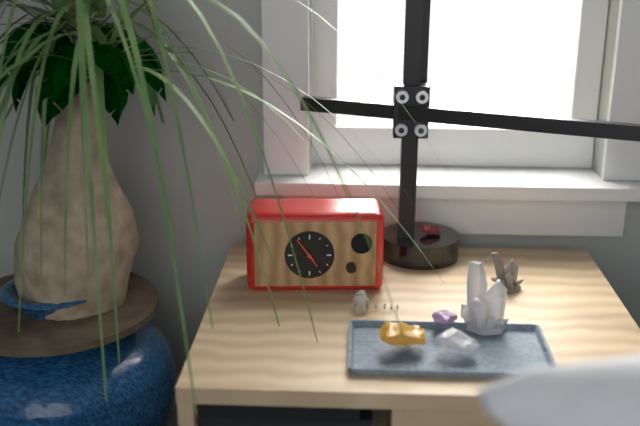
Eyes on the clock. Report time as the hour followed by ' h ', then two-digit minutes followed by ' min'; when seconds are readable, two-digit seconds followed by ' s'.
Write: 4 h 54 min
